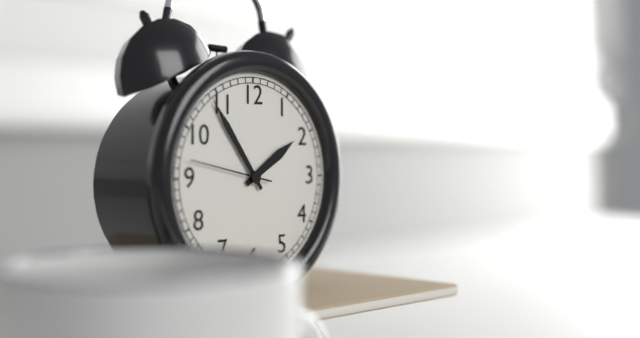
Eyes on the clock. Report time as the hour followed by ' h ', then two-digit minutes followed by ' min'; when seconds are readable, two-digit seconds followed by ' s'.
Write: 1 h 54 min 47 s
